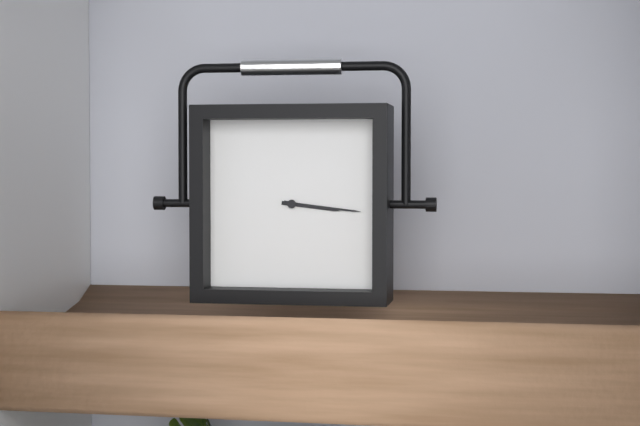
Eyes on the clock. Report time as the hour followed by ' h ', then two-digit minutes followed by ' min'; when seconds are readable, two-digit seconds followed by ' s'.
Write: 3 h 16 min
